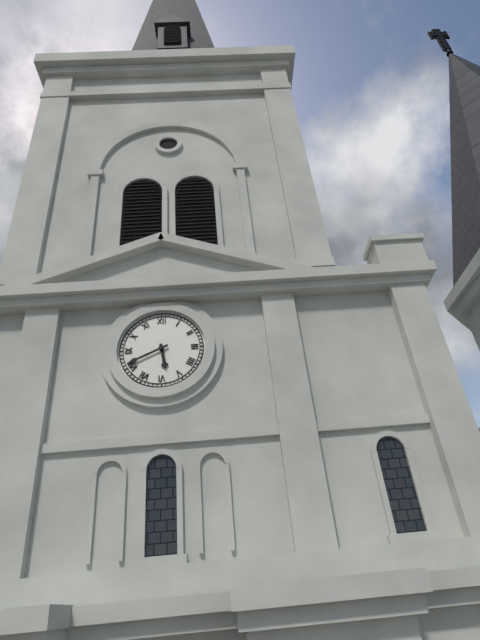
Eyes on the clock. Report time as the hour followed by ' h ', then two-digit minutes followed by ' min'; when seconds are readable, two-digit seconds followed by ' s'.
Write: 5 h 41 min
